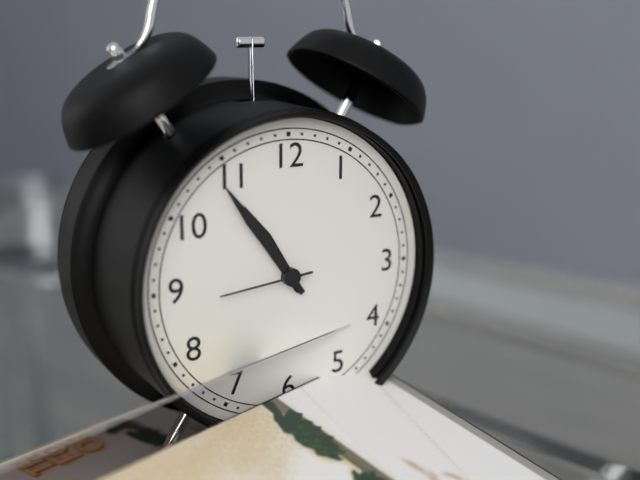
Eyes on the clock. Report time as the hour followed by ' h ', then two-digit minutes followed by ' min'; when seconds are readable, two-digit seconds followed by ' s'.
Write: 10 h 54 min 44 s
